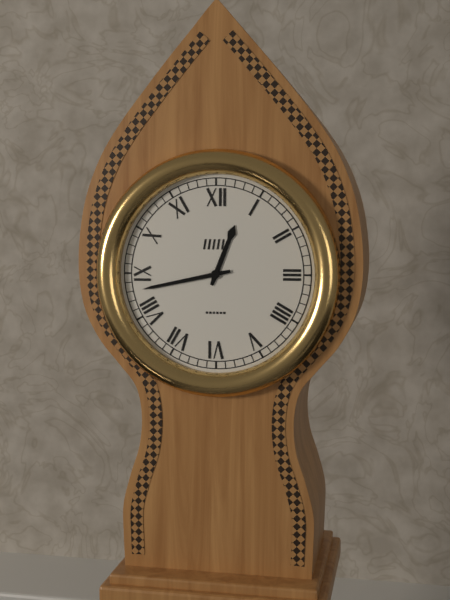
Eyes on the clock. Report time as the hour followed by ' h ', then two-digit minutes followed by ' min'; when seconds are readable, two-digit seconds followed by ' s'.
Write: 12 h 43 min
